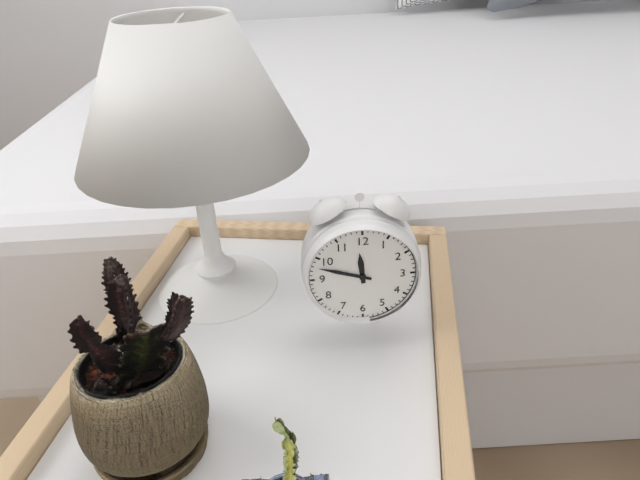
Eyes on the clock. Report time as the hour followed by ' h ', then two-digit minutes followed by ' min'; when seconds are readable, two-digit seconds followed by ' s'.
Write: 11 h 48 min
